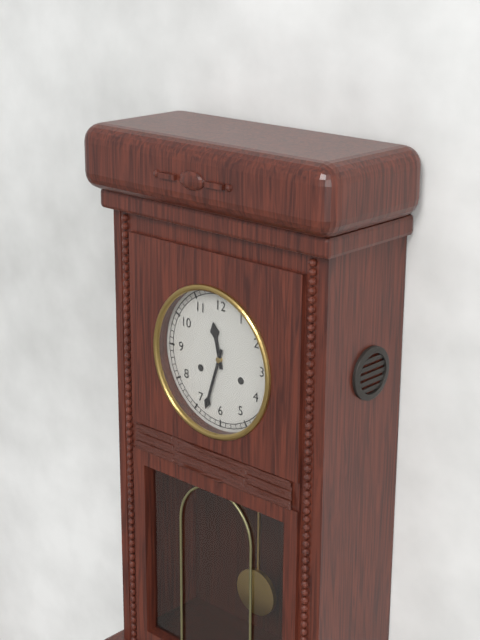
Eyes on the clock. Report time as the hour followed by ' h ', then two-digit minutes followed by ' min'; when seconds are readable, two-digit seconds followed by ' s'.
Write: 11 h 33 min
